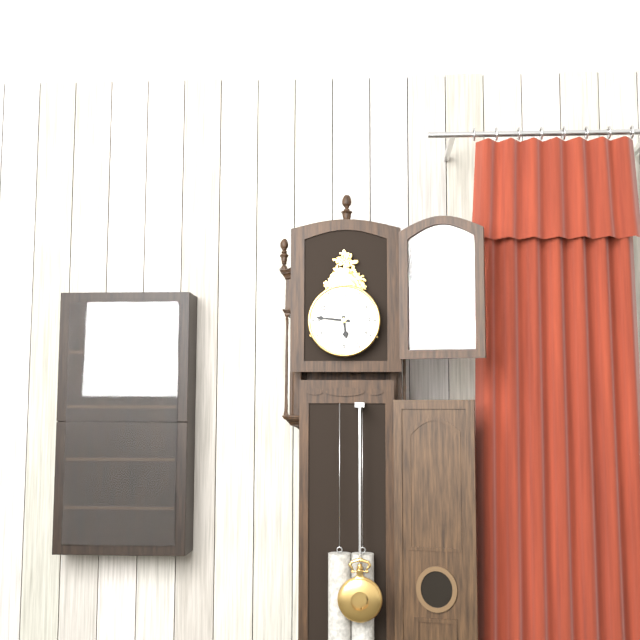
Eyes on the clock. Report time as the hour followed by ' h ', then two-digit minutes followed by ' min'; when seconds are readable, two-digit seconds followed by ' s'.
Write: 5 h 46 min
